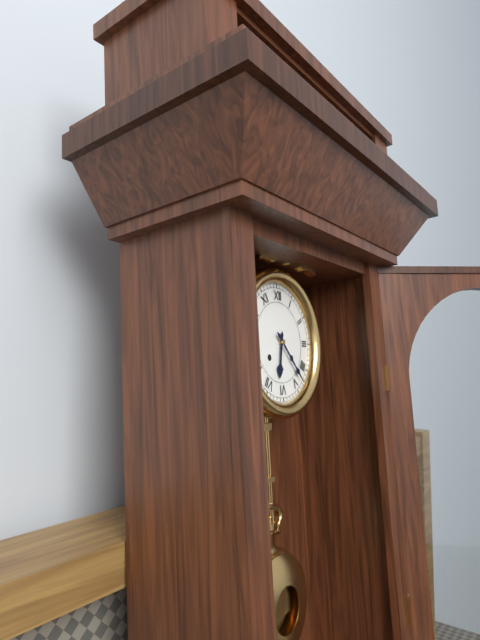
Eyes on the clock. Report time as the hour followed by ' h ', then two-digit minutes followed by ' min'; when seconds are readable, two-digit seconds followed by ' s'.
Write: 6 h 23 min
